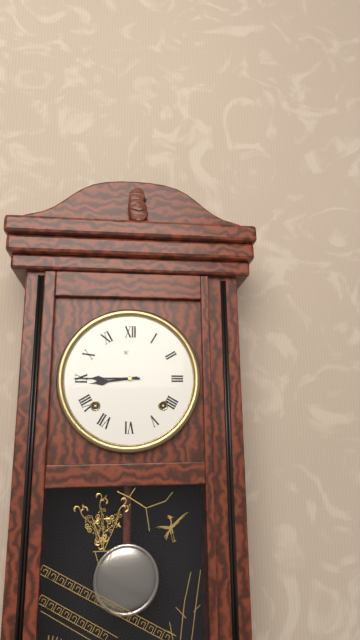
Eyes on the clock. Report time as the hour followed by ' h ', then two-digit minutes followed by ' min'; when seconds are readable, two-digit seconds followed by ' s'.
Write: 8 h 45 min
